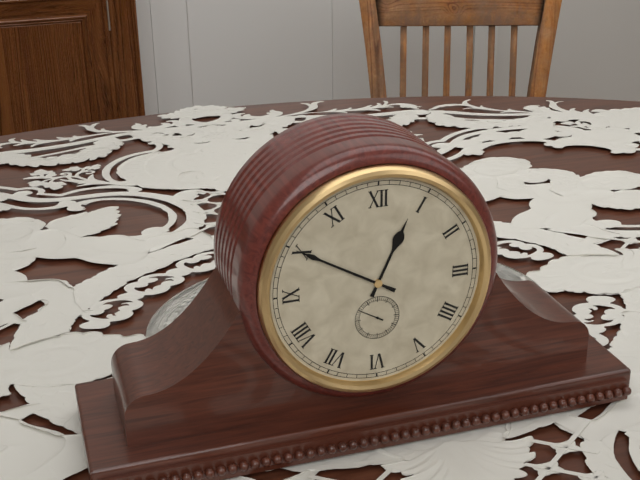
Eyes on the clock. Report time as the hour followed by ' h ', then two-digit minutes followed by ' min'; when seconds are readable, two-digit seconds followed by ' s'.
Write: 12 h 50 min
